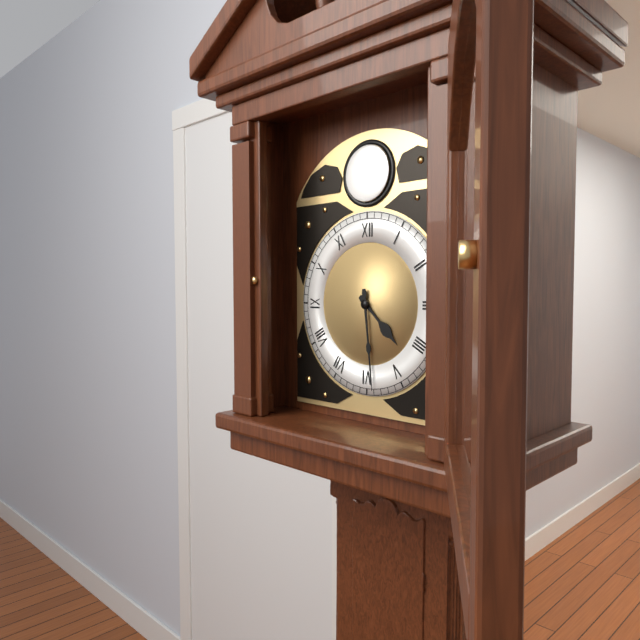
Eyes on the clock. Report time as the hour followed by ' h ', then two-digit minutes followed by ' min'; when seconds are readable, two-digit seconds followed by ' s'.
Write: 4 h 29 min
